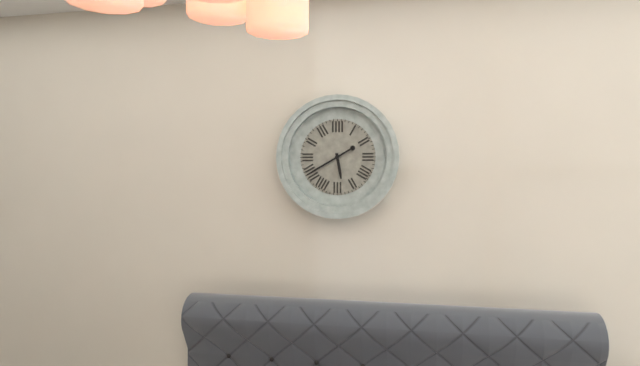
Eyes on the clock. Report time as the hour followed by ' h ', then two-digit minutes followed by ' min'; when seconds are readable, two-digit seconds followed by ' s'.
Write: 5 h 40 min
